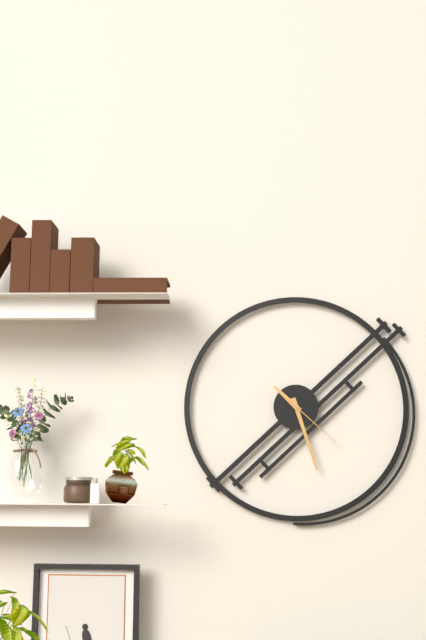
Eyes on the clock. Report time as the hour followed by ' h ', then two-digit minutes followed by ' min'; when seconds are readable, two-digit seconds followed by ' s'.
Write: 10 h 27 min 22 s
